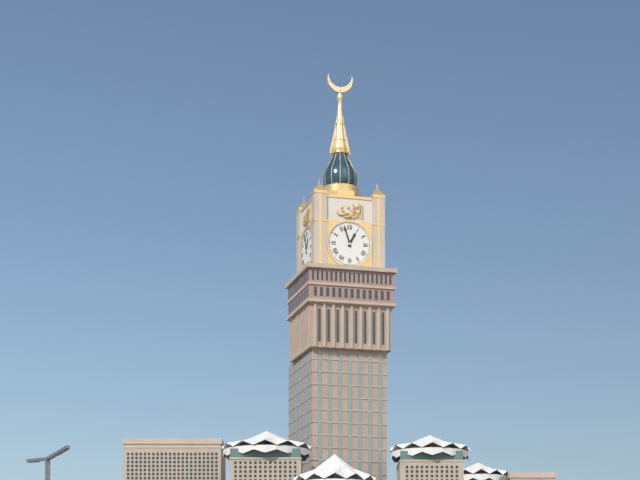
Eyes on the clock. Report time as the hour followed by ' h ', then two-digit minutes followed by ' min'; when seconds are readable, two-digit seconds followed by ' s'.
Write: 12 h 57 min
